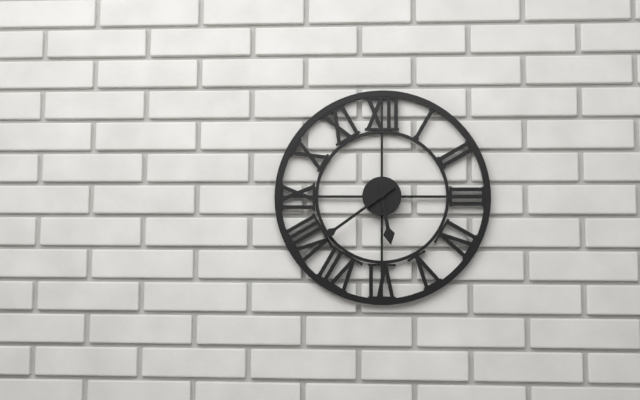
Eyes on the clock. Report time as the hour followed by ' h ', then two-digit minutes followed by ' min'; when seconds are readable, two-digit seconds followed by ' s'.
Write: 5 h 39 min
